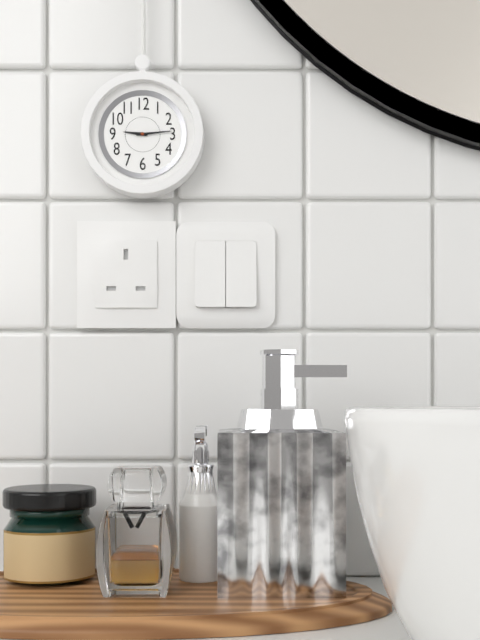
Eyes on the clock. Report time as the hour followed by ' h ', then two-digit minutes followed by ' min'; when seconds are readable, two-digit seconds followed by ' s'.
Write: 9 h 14 min
